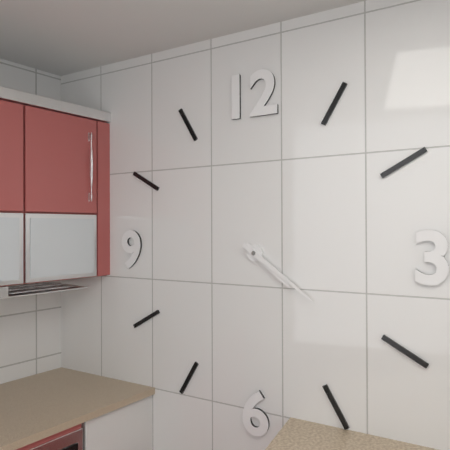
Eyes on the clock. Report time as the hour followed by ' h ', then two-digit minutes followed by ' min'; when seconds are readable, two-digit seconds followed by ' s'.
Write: 4 h 21 min
